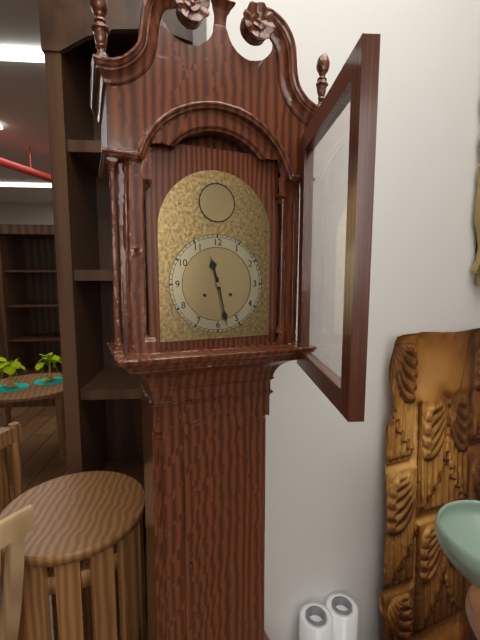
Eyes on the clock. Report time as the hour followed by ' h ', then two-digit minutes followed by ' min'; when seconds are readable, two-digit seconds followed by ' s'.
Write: 11 h 28 min
